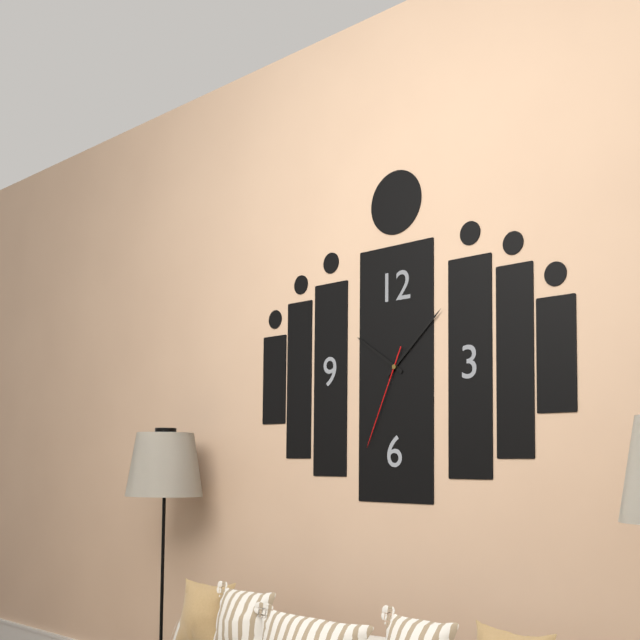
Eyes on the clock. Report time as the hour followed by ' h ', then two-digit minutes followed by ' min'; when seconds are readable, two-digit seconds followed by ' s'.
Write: 10 h 08 min 34 s
